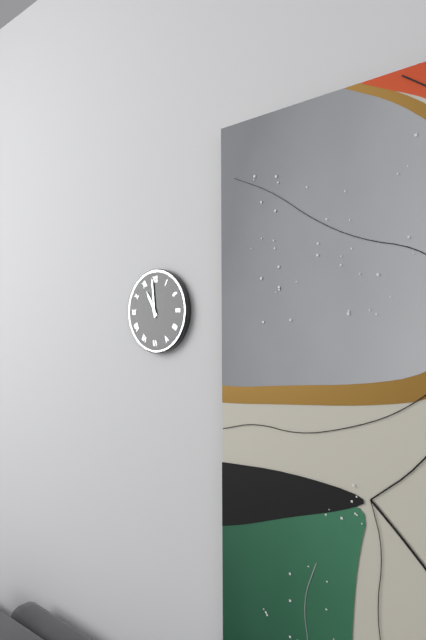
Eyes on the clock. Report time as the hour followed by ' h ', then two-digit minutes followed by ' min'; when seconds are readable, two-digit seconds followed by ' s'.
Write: 10 h 59 min
